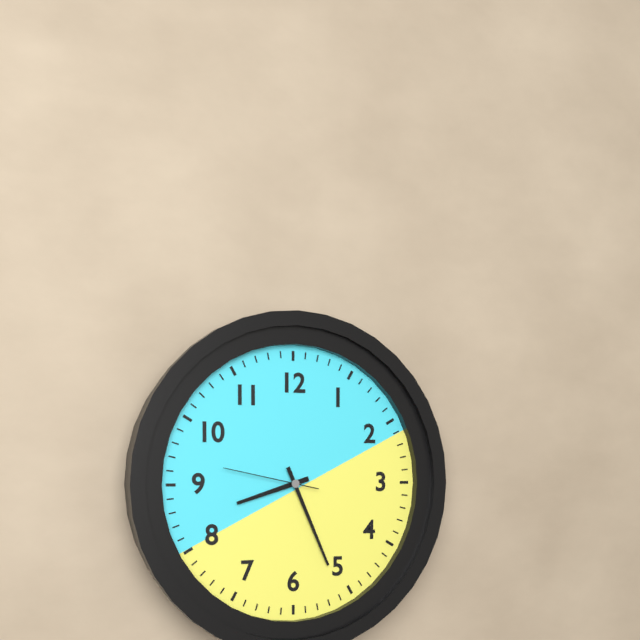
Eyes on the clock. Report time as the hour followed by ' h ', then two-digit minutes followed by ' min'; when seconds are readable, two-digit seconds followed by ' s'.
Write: 8 h 26 min 47 s
